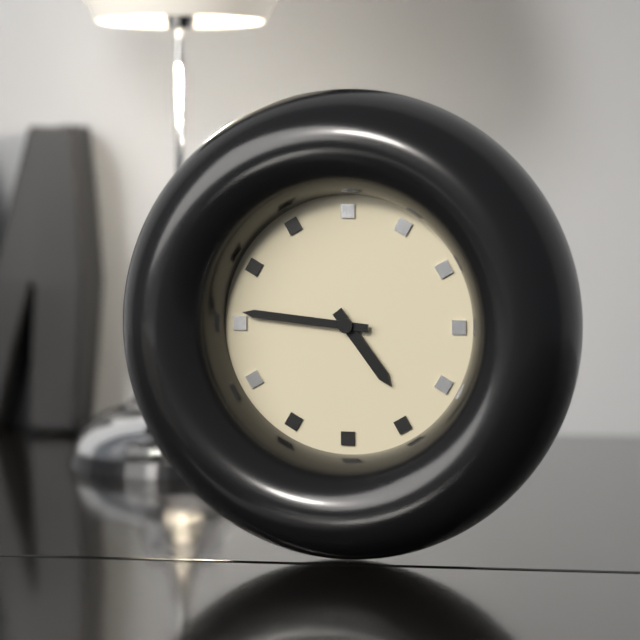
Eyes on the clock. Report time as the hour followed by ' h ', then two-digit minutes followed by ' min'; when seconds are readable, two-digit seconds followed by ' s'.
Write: 4 h 46 min
